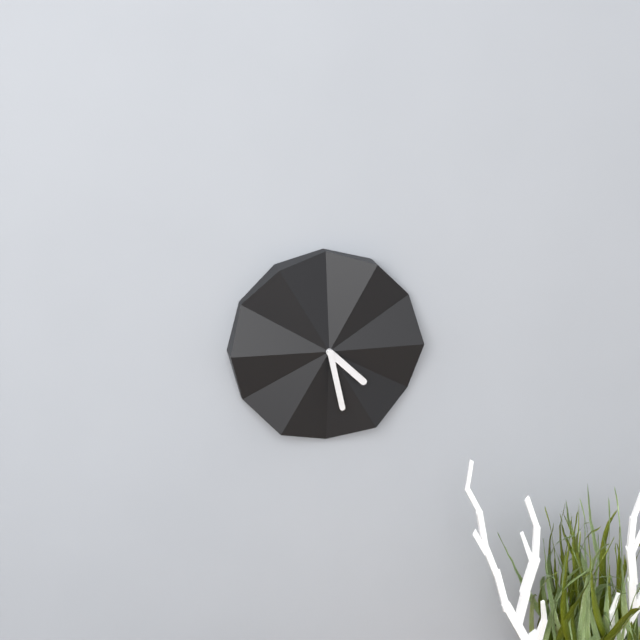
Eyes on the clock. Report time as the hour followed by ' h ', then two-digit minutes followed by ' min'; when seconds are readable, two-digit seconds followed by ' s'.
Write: 4 h 28 min
